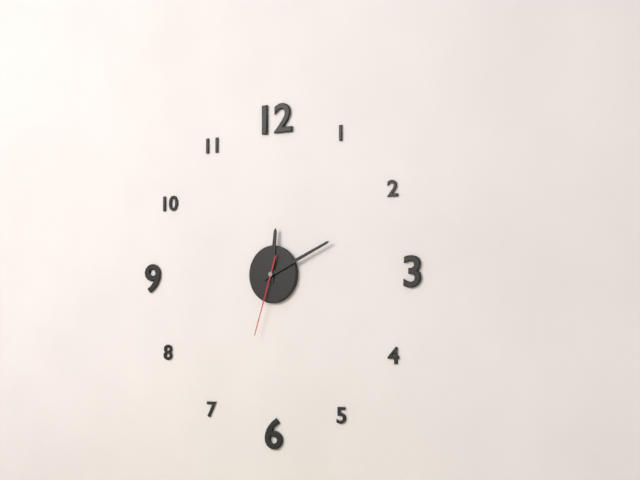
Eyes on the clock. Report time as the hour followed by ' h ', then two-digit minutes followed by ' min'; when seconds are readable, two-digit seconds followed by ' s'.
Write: 12 h 11 min 33 s
